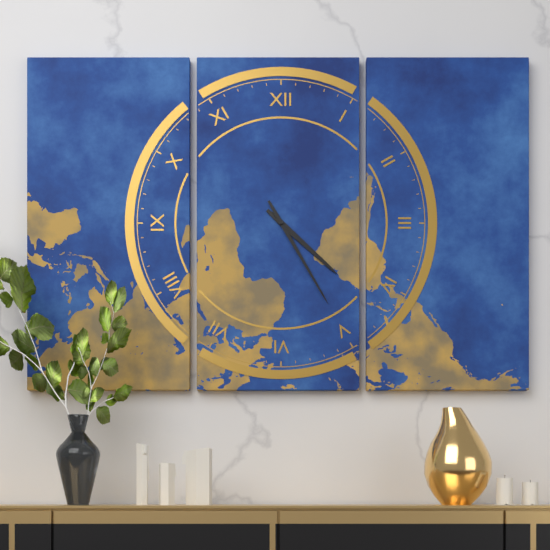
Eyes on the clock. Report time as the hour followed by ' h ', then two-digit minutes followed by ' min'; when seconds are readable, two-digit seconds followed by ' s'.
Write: 4 h 25 min
